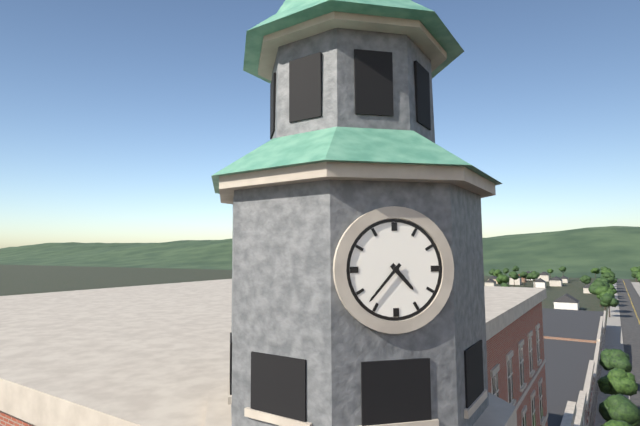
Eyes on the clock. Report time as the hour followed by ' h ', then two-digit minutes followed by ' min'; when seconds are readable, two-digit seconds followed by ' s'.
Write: 4 h 37 min
